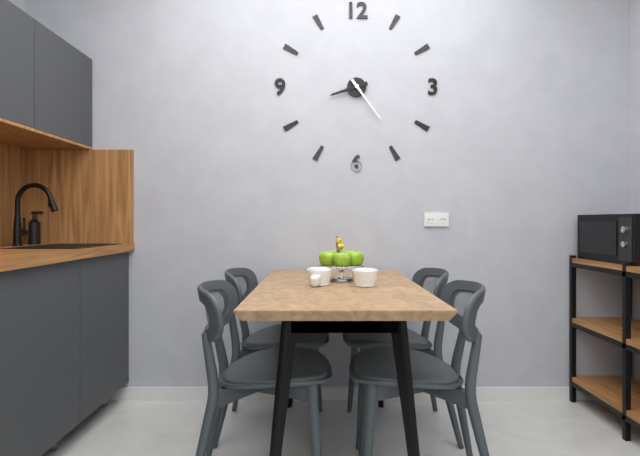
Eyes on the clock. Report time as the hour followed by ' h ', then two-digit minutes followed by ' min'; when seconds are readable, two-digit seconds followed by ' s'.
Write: 8 h 24 min
